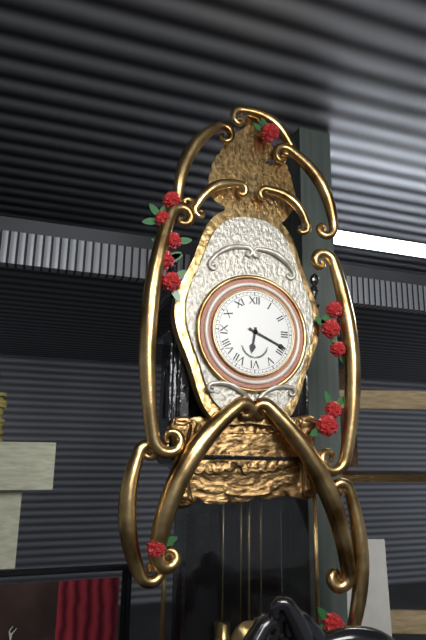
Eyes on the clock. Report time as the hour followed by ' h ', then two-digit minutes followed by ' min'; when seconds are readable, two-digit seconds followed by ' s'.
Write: 6 h 19 min
